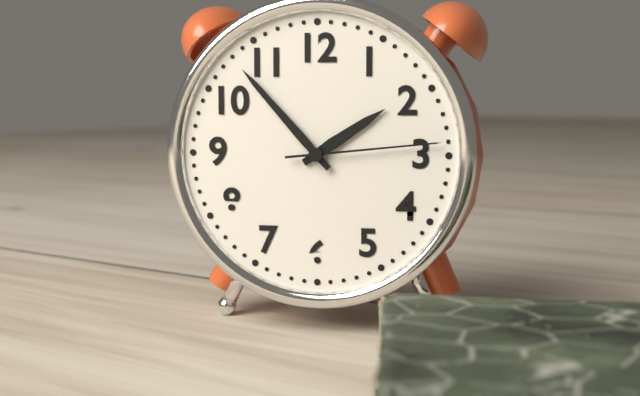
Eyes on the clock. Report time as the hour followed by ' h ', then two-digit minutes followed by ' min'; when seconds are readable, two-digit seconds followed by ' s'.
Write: 1 h 53 min 14 s
